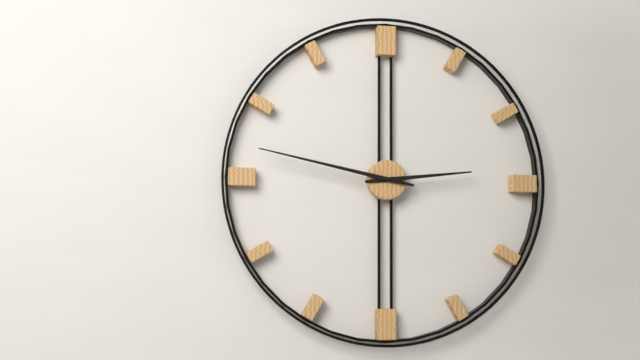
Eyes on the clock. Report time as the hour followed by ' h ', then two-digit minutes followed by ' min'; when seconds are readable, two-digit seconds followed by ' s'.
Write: 2 h 47 min
